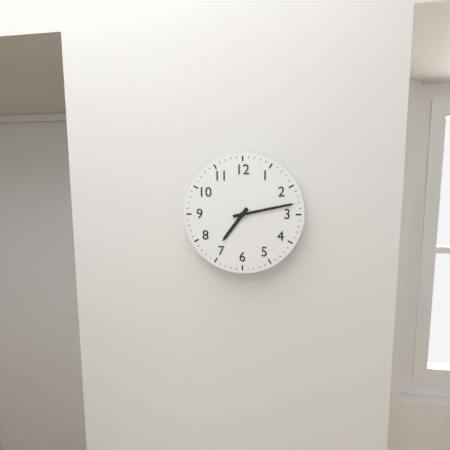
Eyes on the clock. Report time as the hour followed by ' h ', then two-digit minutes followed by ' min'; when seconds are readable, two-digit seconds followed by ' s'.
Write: 7 h 13 min
